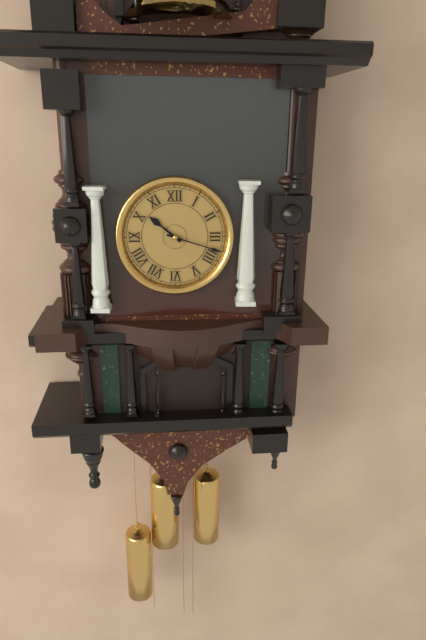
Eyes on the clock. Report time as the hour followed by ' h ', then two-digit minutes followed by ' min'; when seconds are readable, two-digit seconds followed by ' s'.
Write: 10 h 18 min
